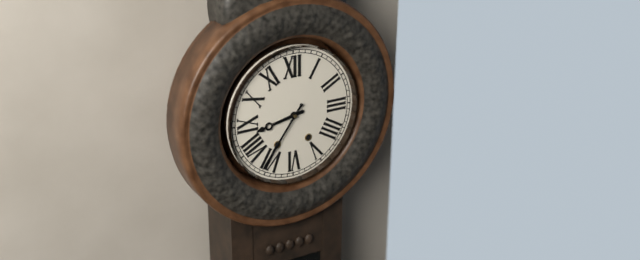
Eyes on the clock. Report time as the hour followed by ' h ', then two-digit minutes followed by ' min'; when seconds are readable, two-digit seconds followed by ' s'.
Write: 8 h 36 min
